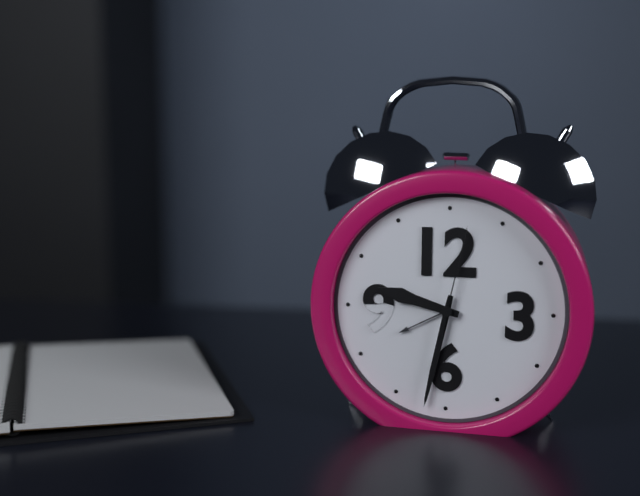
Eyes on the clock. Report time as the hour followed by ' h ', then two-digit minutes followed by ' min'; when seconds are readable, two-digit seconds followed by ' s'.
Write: 9 h 32 min 02 s
